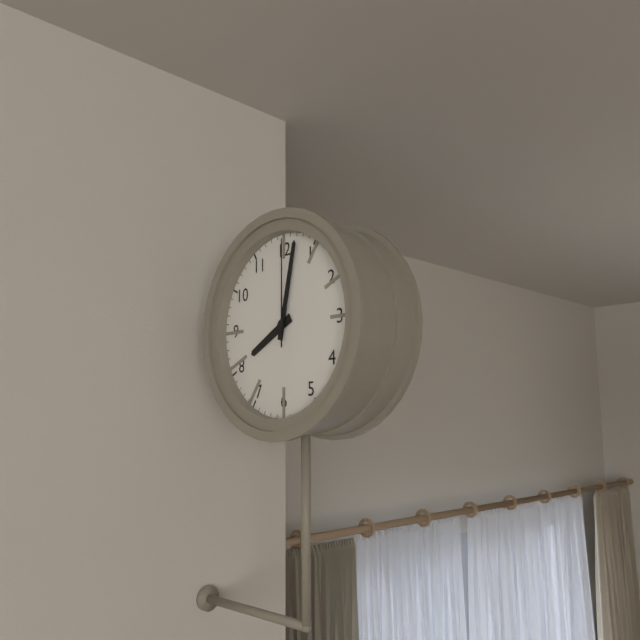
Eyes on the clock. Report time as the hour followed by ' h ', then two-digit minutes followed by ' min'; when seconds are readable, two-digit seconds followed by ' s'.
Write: 8 h 02 min 00 s
